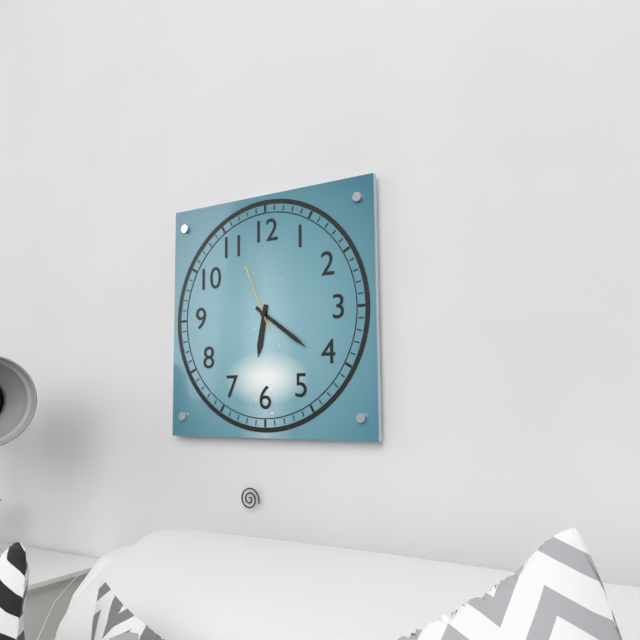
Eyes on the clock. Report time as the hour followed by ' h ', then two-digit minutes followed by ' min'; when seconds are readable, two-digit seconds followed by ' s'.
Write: 6 h 21 min 56 s
